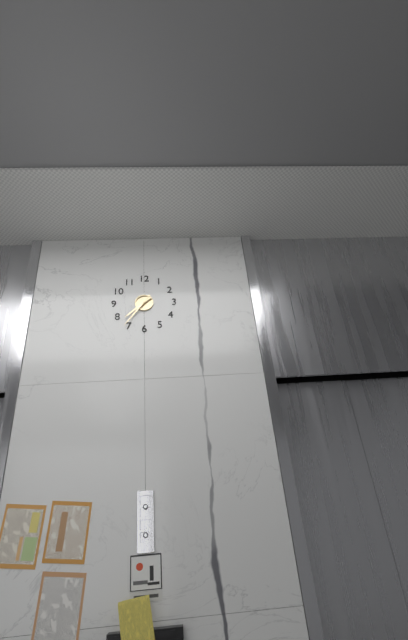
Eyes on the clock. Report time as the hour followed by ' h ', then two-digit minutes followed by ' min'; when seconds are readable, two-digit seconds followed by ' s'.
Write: 7 h 36 min
